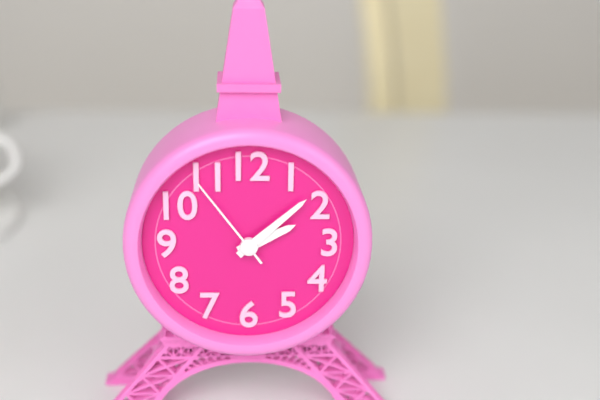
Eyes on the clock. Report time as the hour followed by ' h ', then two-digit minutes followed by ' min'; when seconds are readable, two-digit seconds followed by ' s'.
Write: 2 h 08 min 54 s
